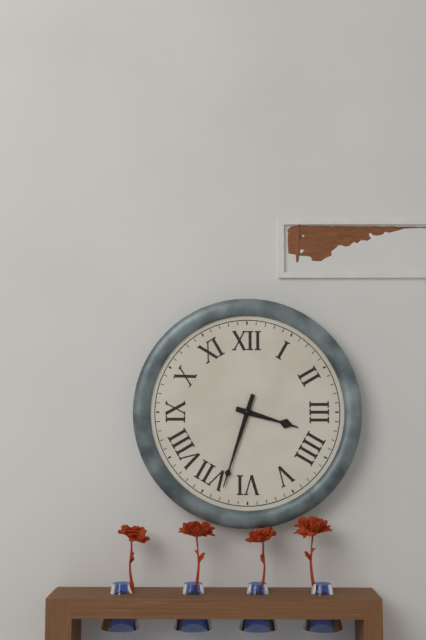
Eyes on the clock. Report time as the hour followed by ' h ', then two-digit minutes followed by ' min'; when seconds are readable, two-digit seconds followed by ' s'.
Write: 3 h 33 min
